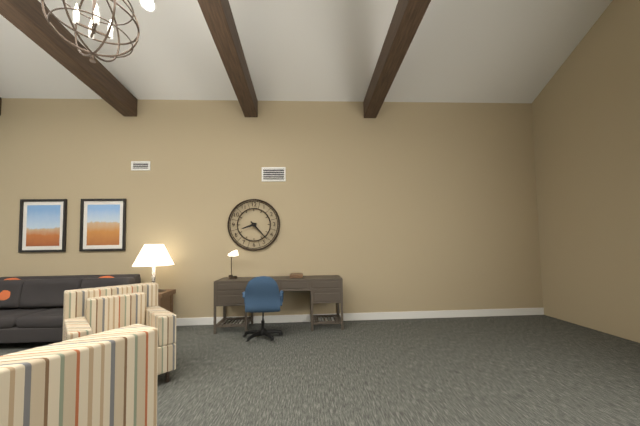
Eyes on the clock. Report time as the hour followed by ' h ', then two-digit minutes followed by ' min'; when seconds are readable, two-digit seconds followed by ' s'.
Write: 8 h 23 min
